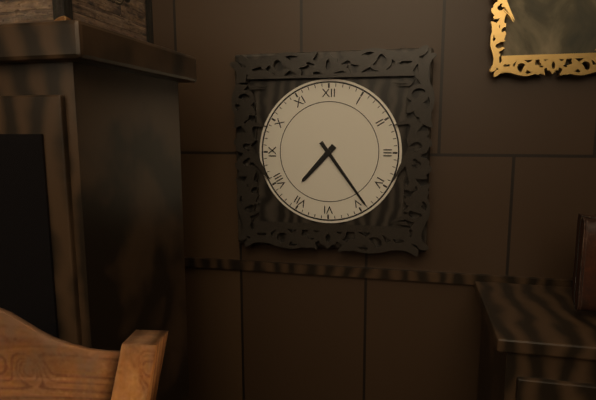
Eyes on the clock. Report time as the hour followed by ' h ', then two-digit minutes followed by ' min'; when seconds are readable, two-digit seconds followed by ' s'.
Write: 7 h 24 min
